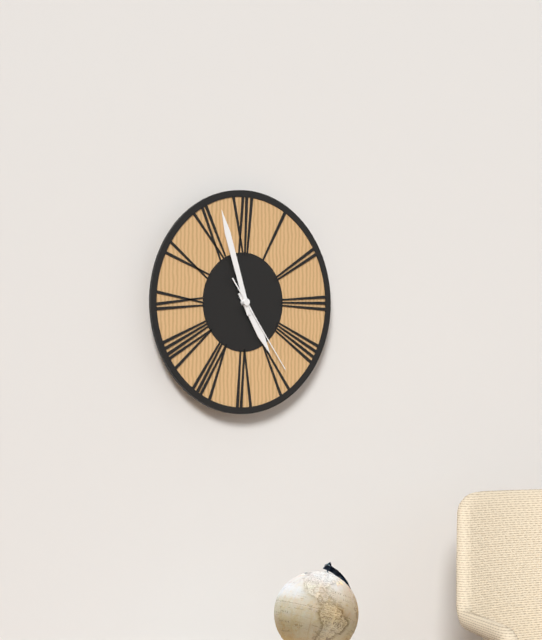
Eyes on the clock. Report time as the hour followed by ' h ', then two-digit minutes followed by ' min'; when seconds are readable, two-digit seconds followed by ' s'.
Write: 4 h 57 min 24 s
